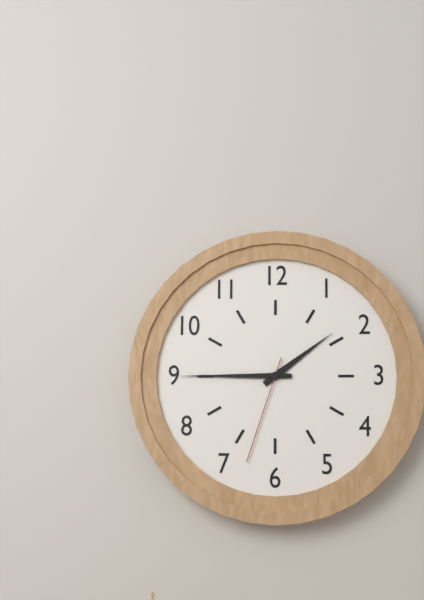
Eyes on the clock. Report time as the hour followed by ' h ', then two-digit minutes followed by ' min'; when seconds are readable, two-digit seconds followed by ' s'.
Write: 1 h 45 min 33 s
